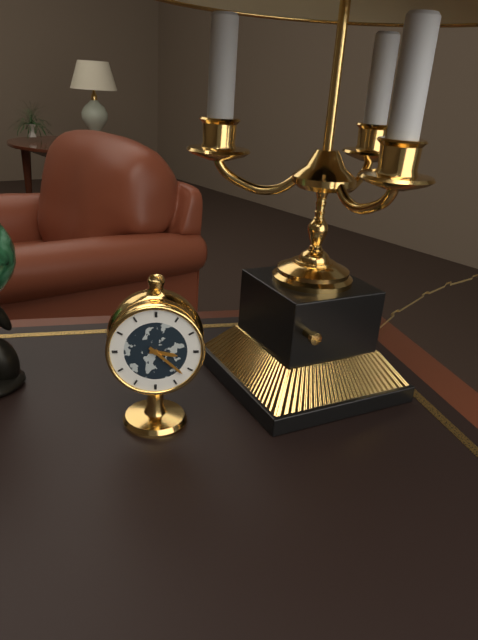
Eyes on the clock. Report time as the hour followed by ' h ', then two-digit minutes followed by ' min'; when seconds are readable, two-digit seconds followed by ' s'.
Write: 3 h 22 min
